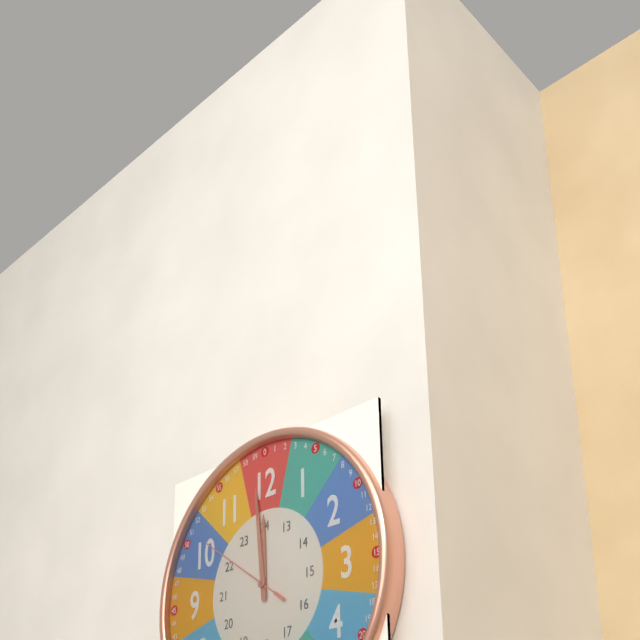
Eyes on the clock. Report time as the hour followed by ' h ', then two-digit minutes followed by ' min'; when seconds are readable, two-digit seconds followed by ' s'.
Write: 11 h 59 min 51 s
